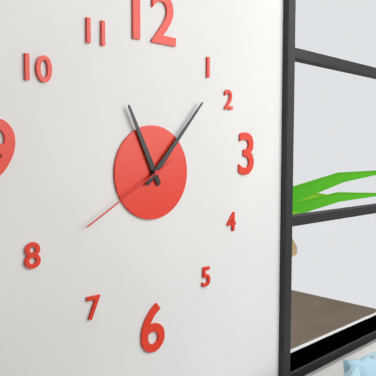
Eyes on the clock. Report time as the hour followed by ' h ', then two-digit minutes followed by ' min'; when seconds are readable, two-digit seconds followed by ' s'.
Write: 11 h 07 min 40 s
